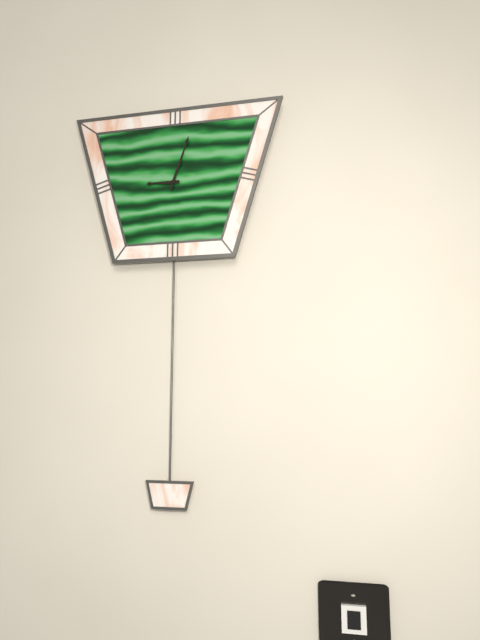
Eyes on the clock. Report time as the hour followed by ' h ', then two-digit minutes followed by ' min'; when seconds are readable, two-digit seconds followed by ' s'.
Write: 9 h 03 min
